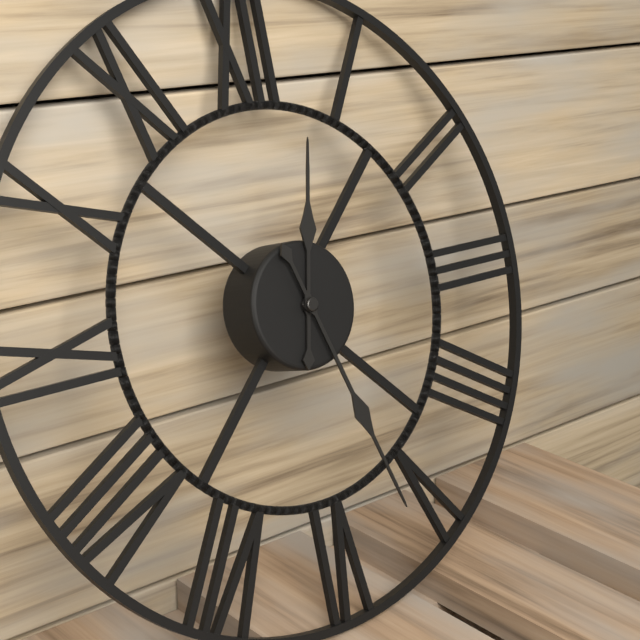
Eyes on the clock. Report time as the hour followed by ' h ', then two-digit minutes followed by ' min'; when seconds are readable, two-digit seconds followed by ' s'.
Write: 12 h 27 min
